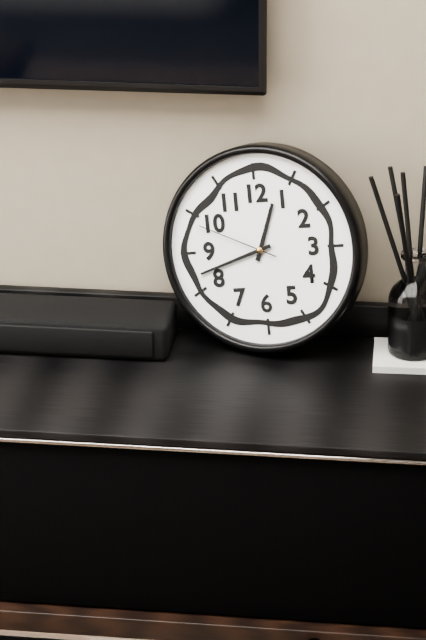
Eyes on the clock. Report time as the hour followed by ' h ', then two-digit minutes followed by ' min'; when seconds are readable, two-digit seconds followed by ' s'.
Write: 12 h 42 min 49 s
